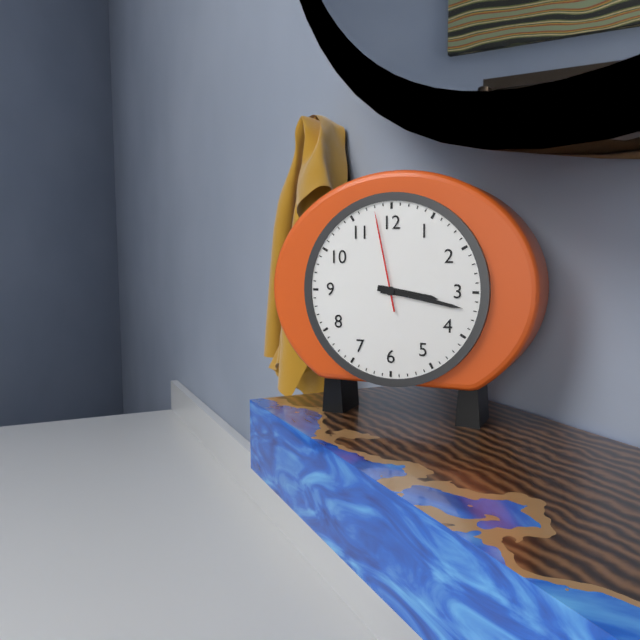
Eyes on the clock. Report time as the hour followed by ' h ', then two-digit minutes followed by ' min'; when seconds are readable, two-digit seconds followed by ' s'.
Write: 3 h 17 min 58 s
